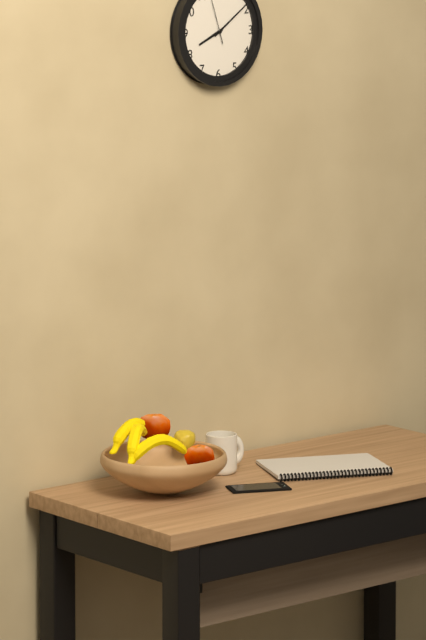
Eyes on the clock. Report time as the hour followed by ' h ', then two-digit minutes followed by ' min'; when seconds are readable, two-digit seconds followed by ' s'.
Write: 8 h 09 min
